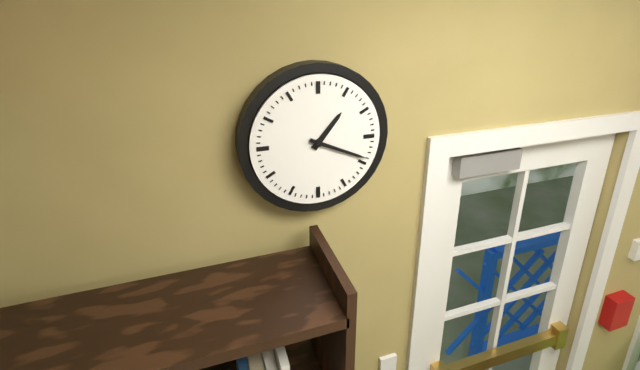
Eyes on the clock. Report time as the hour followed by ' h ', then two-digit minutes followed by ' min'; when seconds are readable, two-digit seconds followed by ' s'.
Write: 1 h 19 min
